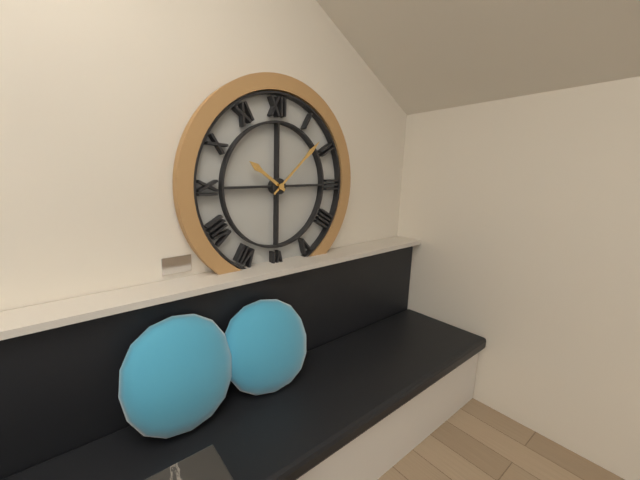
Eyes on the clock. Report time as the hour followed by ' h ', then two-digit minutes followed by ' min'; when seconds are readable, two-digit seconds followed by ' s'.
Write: 10 h 08 min
